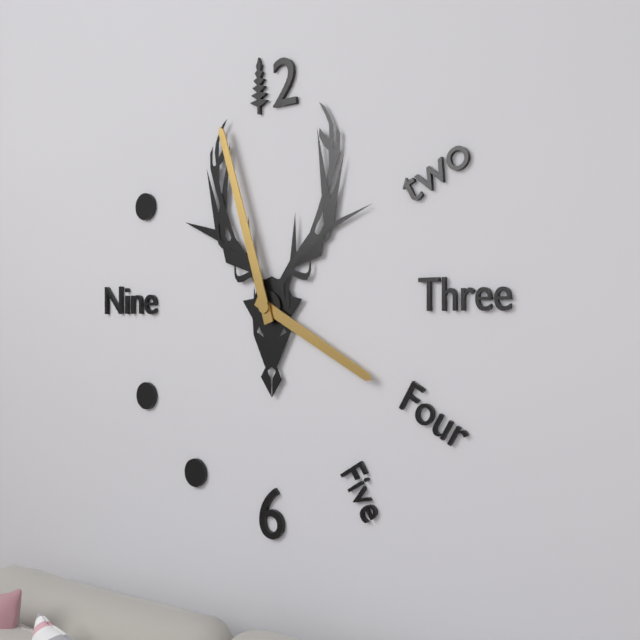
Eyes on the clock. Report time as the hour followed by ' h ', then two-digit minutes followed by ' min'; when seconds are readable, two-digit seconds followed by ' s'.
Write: 3 h 57 min
